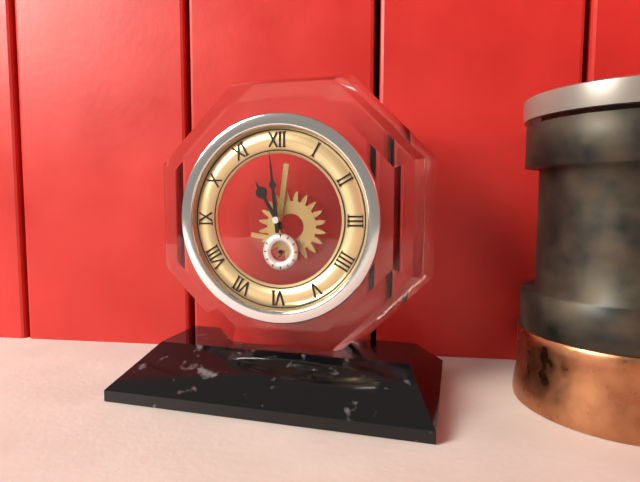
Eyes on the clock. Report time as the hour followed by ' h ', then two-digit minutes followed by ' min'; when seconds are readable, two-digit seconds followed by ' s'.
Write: 10 h 59 min
